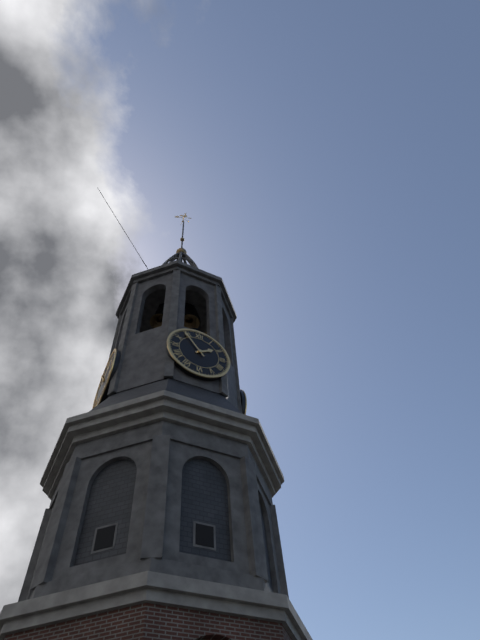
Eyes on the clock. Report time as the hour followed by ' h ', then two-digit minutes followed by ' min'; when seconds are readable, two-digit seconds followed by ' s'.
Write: 1 h 54 min
